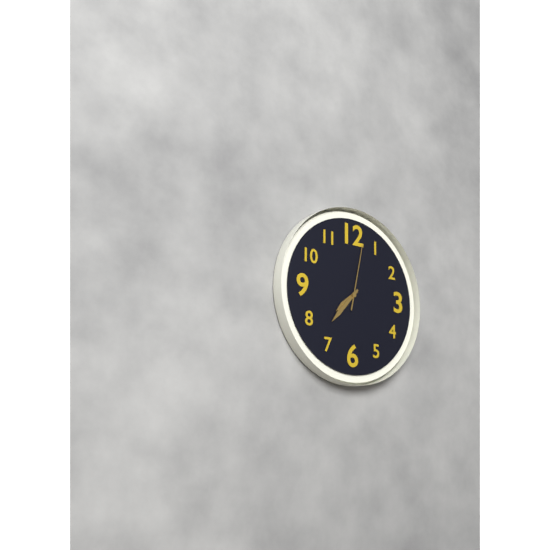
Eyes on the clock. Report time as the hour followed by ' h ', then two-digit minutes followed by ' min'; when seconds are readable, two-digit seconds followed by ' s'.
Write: 7 h 37 min 02 s
